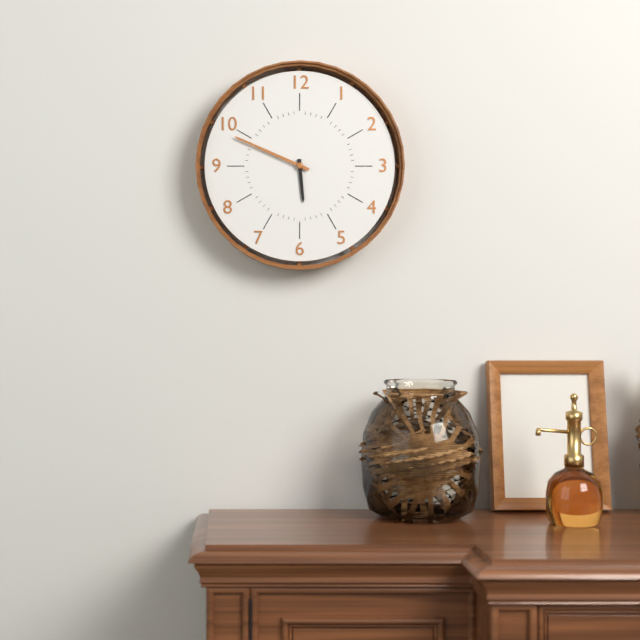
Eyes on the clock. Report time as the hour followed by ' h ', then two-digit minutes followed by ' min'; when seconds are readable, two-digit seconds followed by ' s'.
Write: 5 h 49 min
